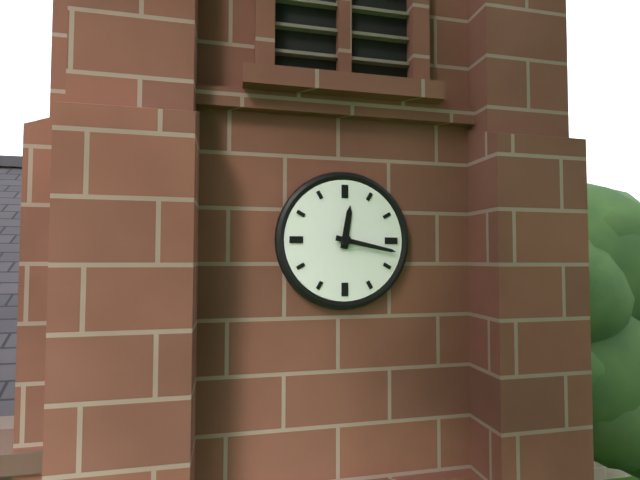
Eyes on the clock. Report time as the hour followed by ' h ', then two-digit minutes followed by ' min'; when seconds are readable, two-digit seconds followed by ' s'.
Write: 12 h 17 min
